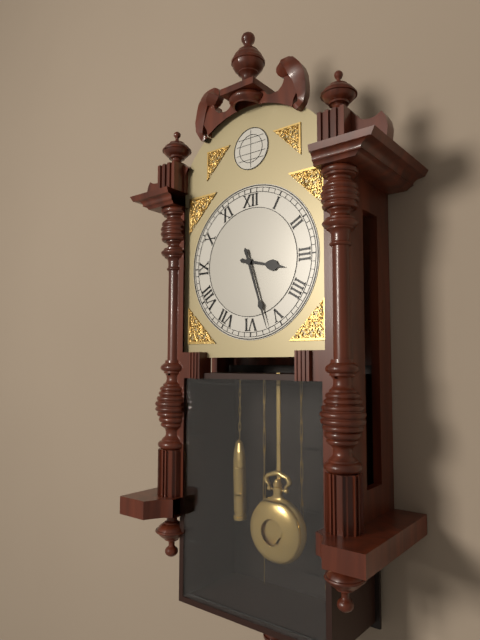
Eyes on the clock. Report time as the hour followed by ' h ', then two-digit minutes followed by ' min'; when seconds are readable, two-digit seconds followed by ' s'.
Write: 3 h 27 min
